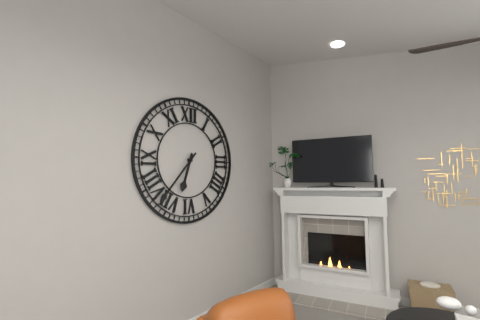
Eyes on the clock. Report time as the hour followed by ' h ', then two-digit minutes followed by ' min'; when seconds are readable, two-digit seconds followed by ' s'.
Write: 6 h 37 min
